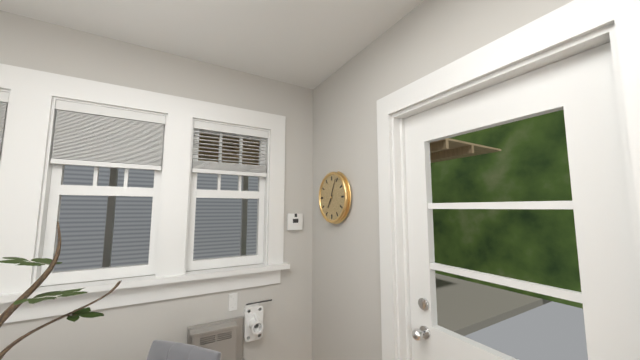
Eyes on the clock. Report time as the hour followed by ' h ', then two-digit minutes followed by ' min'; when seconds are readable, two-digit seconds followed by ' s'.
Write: 7 h 04 min
